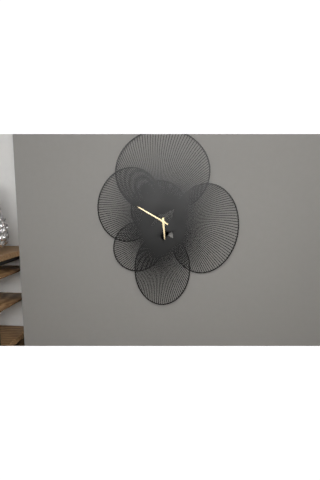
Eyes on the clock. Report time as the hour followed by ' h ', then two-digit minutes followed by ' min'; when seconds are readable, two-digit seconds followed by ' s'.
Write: 5 h 50 min
